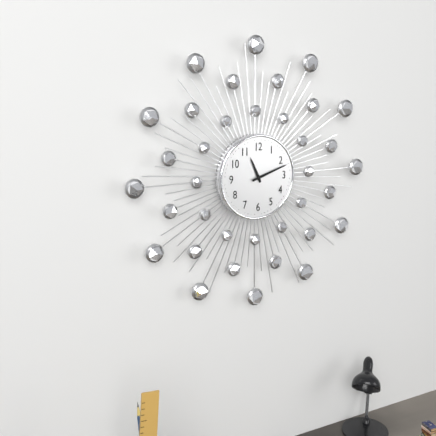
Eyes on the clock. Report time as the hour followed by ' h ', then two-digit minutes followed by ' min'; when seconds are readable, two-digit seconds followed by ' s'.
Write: 11 h 12 min
